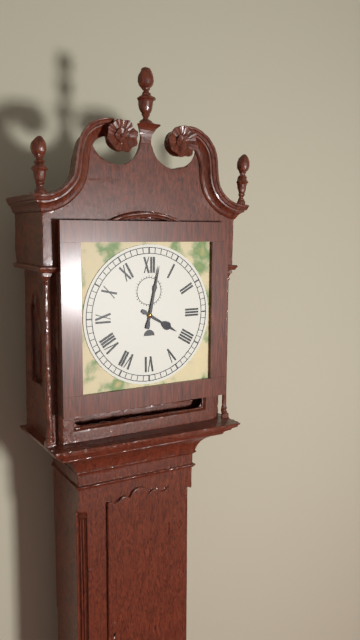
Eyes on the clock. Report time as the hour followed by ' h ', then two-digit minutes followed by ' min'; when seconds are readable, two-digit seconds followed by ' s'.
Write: 4 h 02 min
